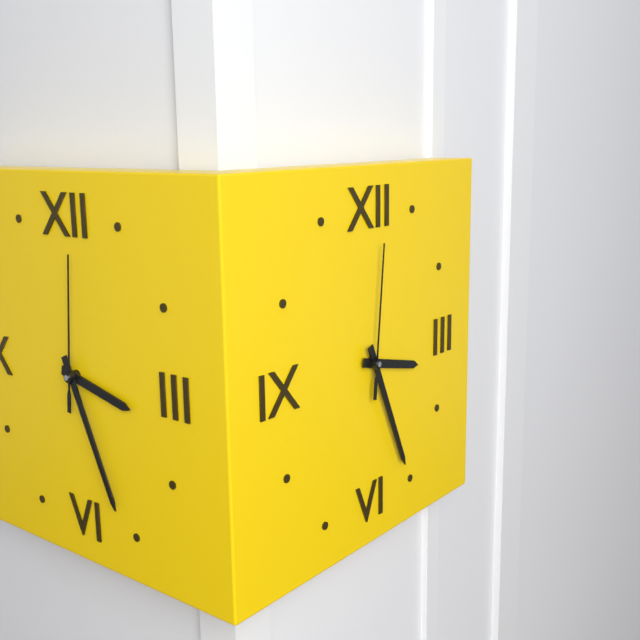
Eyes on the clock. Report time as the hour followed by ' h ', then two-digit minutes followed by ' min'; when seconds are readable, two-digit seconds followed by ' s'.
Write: 3 h 26 min 01 s
